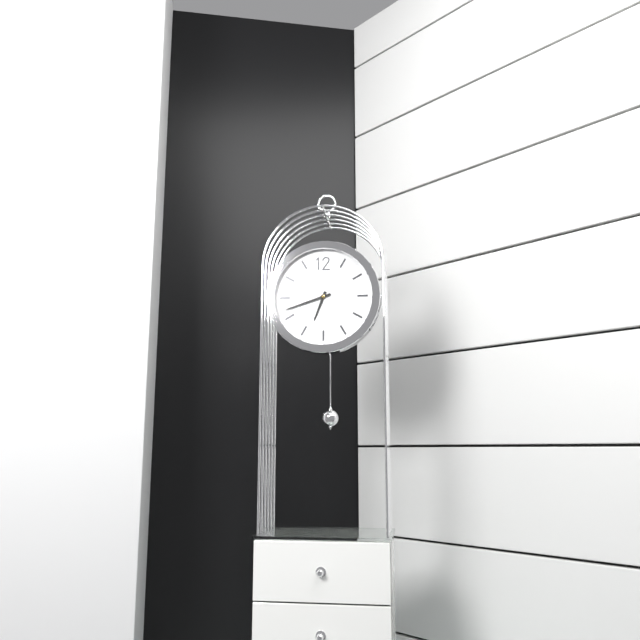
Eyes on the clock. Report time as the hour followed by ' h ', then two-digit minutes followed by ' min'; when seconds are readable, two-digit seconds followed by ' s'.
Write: 6 h 42 min
